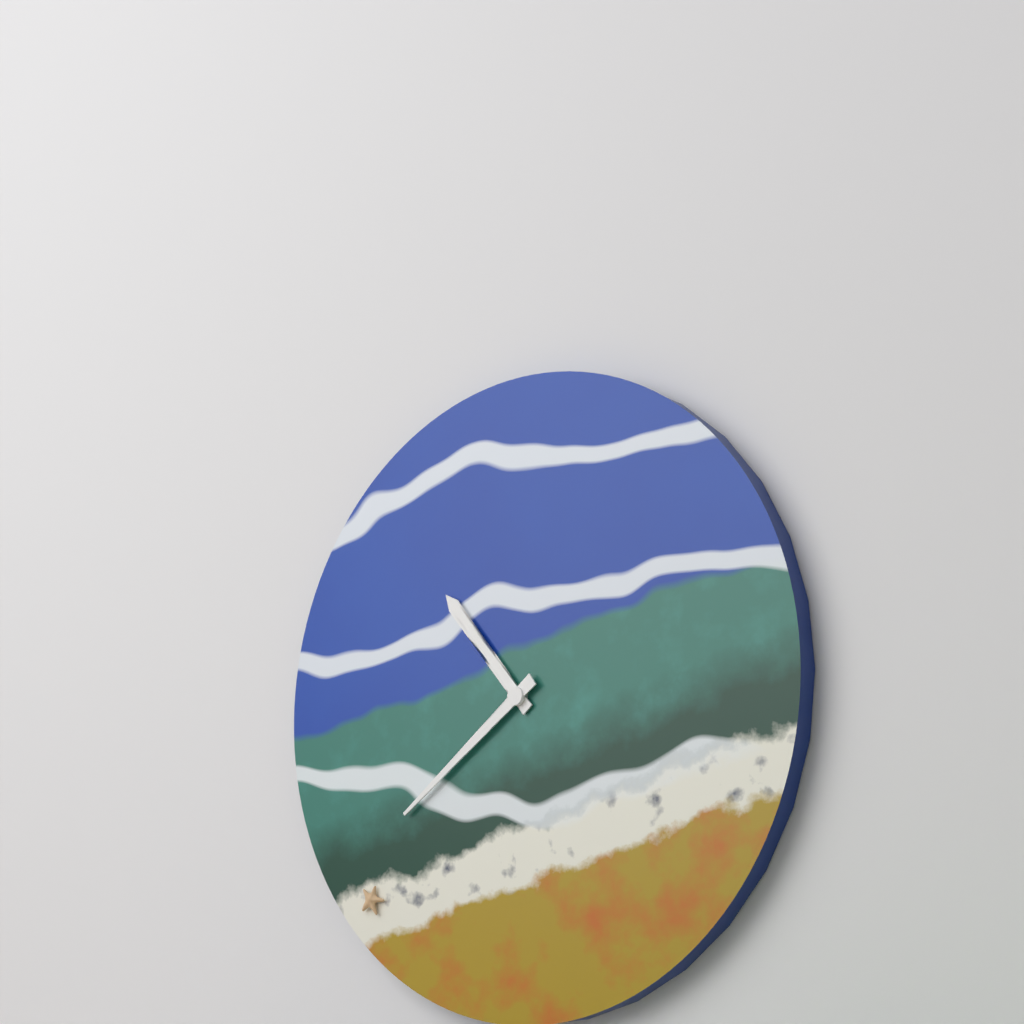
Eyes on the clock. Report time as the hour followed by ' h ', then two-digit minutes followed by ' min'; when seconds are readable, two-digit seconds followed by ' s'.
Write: 10 h 39 min
